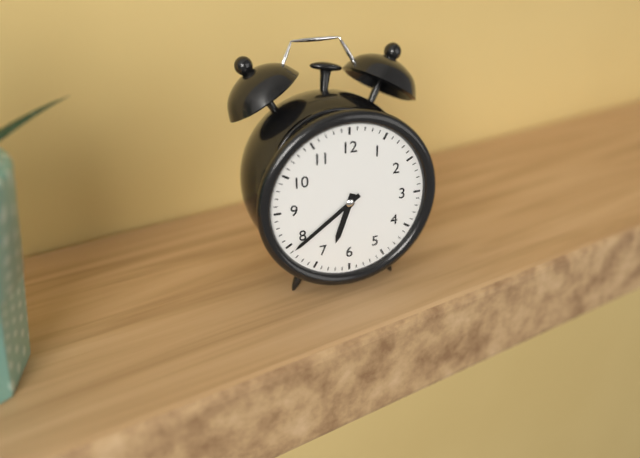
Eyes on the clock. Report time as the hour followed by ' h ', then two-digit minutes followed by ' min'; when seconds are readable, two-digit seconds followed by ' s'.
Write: 6 h 39 min
